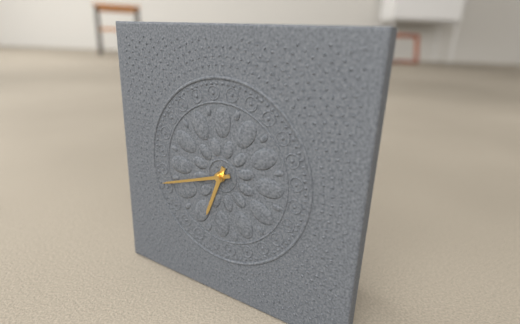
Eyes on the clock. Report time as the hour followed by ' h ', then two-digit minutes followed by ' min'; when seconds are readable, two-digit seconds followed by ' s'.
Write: 6 h 42 min
